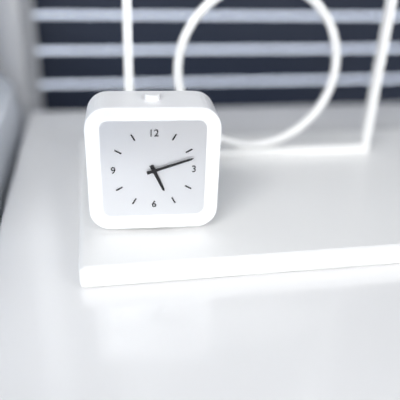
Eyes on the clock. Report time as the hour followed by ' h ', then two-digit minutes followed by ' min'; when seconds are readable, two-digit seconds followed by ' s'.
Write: 5 h 12 min
